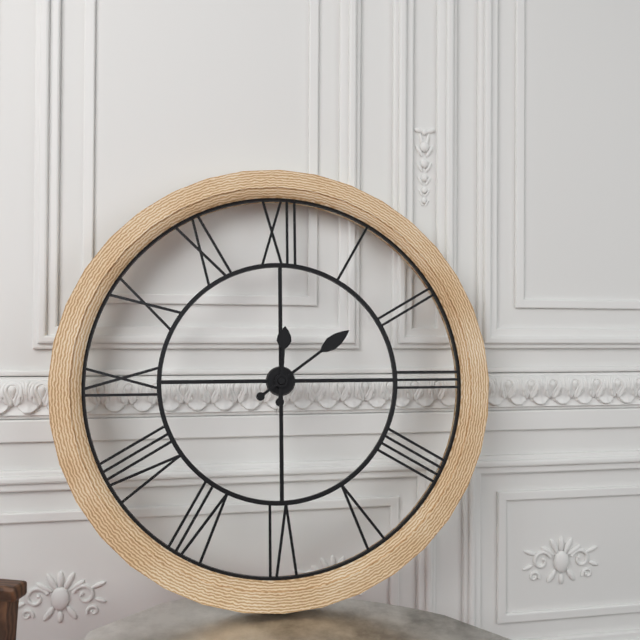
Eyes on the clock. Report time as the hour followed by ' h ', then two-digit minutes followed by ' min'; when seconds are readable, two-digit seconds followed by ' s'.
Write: 12 h 09 min
